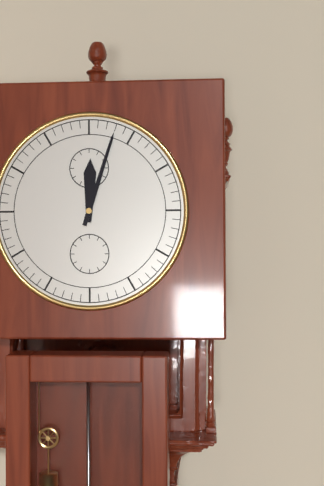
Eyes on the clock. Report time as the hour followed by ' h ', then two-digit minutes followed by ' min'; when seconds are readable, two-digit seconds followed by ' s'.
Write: 12 h 03 min
